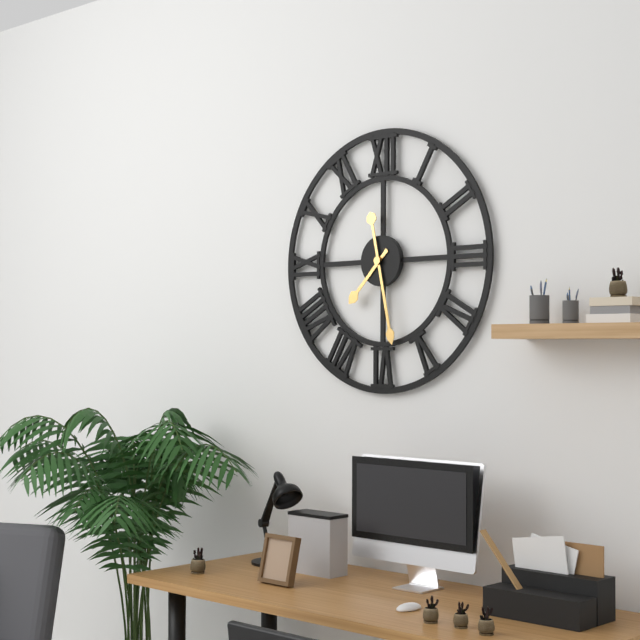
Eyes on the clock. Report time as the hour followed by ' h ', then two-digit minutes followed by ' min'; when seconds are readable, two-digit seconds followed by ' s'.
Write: 7 h 28 min
